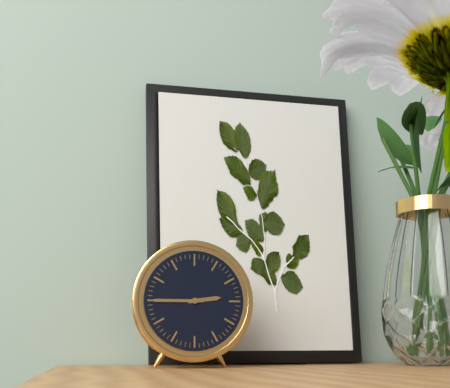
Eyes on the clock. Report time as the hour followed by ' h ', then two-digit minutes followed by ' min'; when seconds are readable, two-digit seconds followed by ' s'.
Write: 2 h 45 min
